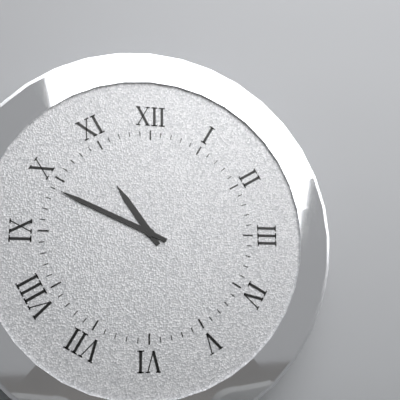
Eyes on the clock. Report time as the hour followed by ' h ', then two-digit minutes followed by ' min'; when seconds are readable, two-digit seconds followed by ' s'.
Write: 10 h 49 min
